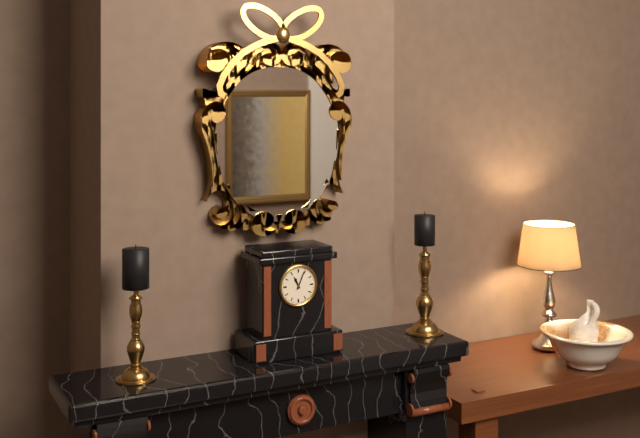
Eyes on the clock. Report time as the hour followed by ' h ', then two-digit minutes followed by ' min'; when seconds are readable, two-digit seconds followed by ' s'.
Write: 11 h 04 min
